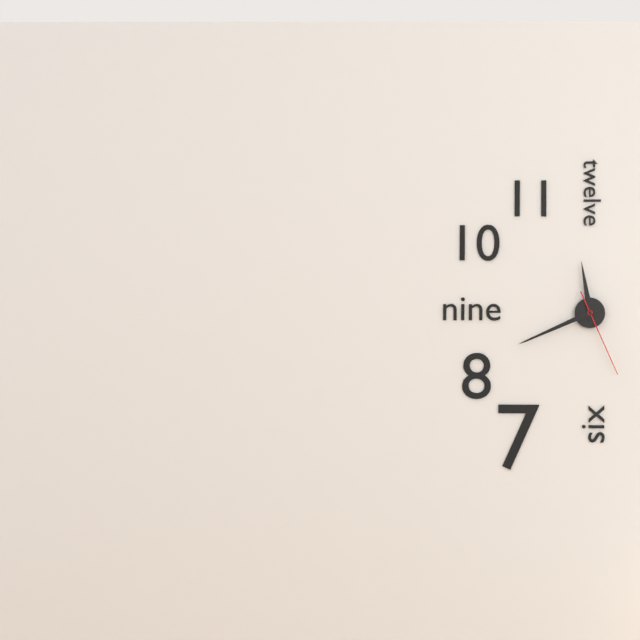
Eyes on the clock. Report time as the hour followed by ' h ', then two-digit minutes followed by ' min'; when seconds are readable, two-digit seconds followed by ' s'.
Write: 11 h 41 min 26 s
